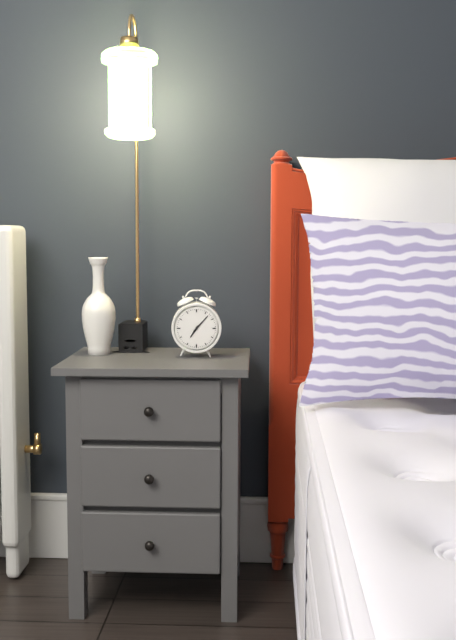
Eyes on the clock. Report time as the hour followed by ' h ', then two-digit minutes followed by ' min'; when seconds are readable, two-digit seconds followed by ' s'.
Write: 7 h 07 min
